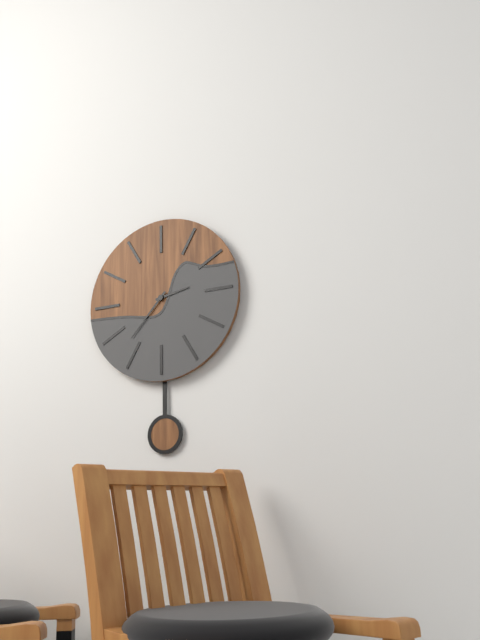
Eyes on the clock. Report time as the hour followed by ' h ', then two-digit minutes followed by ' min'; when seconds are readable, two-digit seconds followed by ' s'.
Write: 2 h 37 min
